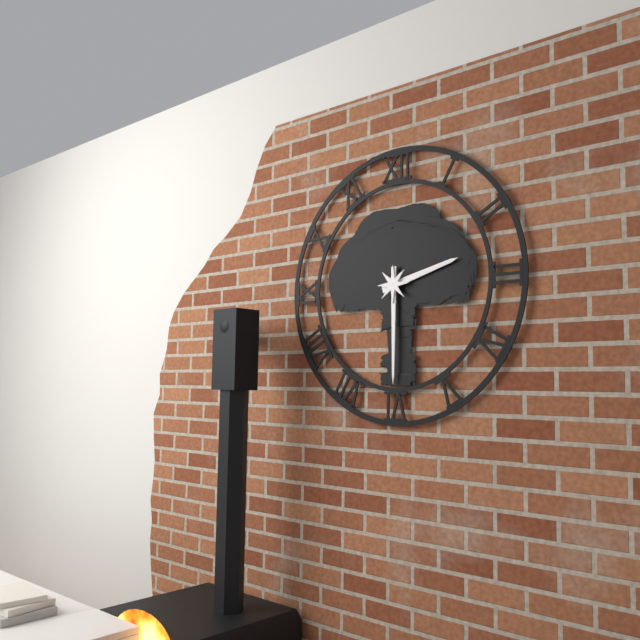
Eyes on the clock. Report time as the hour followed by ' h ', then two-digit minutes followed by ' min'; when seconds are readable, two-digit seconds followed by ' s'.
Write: 2 h 30 min
